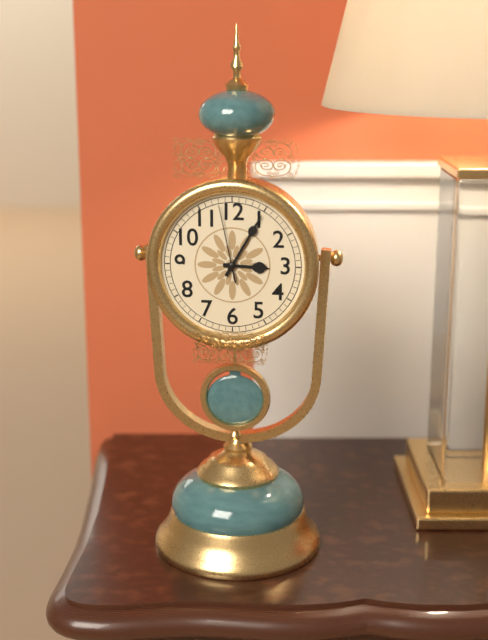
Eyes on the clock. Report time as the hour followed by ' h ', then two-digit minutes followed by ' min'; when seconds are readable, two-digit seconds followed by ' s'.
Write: 3 h 05 min 58 s
